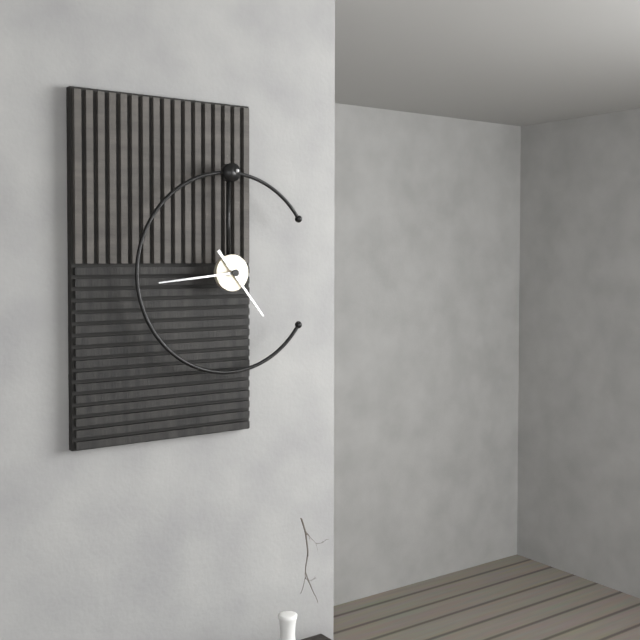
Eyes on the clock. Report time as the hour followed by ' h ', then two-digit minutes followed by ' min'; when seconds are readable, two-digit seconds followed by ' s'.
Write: 4 h 44 min
